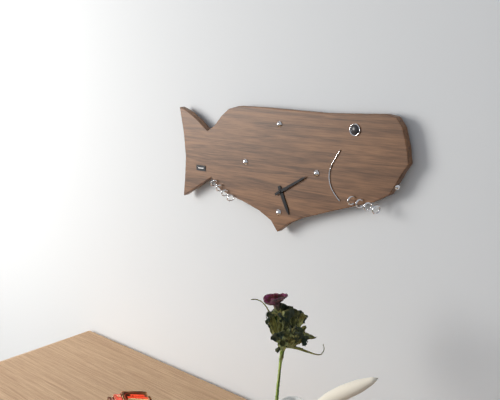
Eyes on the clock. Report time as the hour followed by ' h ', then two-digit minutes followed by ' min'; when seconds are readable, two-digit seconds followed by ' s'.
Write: 5 h 10 min
